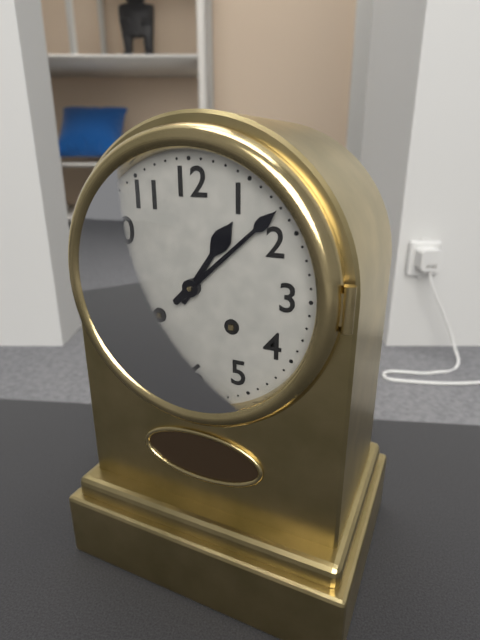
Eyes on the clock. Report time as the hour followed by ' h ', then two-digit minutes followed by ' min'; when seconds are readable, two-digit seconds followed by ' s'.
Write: 1 h 08 min
